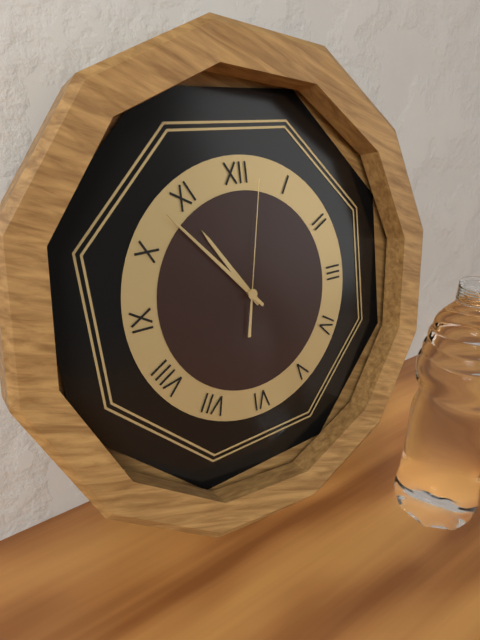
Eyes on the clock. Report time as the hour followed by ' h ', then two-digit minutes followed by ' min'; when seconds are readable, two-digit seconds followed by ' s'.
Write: 10 h 53 min 02 s
